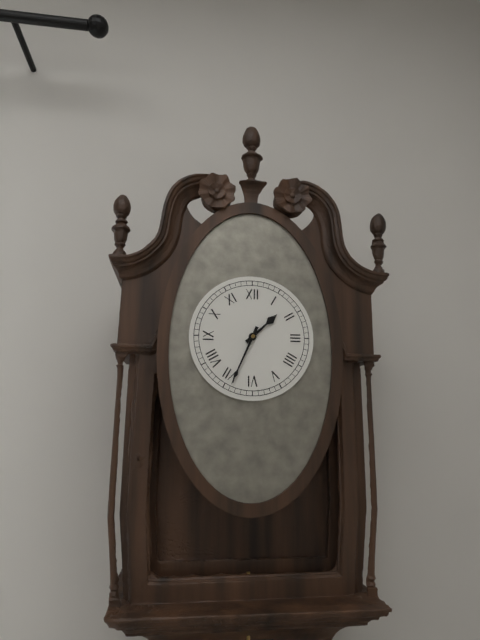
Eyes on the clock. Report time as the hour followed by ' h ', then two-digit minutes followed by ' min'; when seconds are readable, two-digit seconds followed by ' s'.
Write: 1 h 34 min
